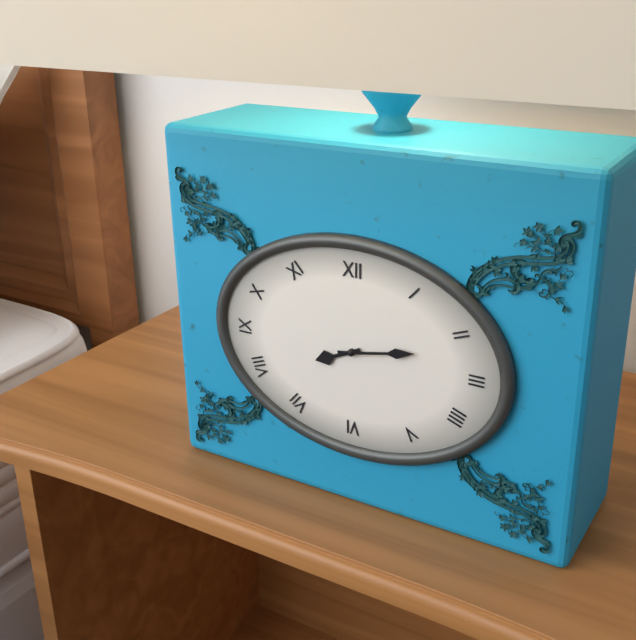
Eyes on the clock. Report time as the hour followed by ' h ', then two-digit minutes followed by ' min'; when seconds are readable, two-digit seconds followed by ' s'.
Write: 8 h 13 min
